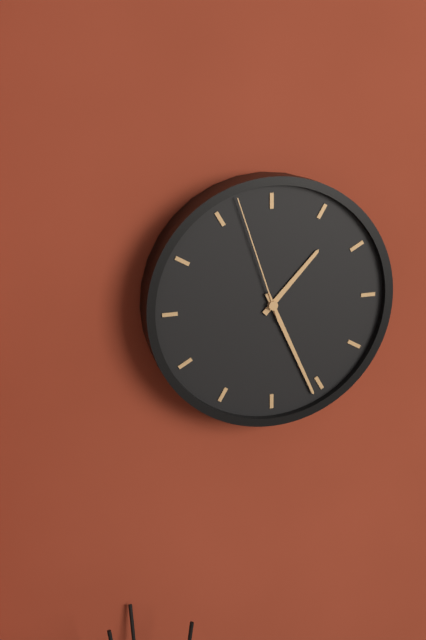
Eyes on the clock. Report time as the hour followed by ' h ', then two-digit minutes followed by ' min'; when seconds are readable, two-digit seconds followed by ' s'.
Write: 1 h 26 min 57 s
